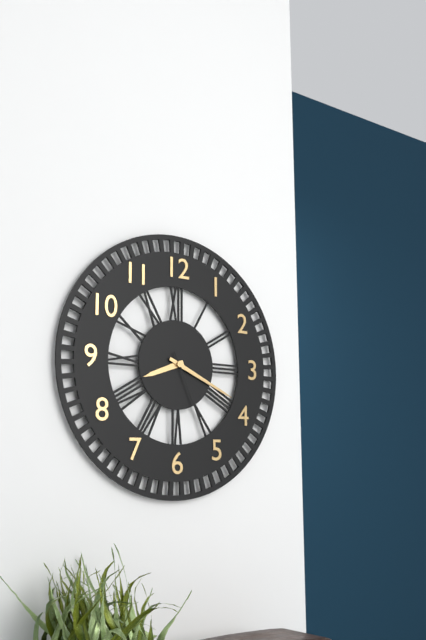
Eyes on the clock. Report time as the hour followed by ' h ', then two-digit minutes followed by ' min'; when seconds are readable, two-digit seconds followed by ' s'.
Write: 8 h 19 min 26 s
